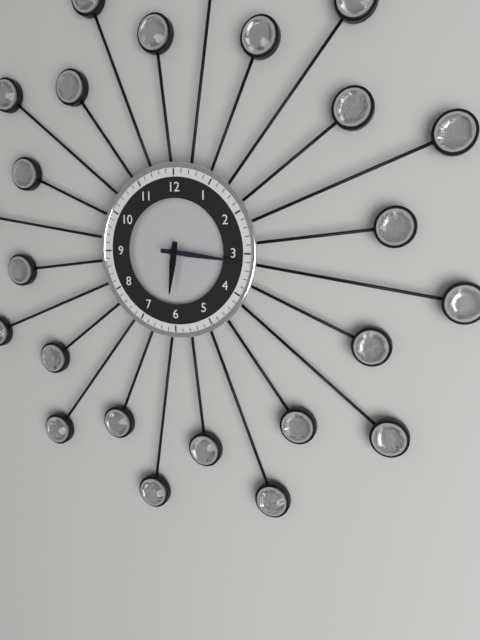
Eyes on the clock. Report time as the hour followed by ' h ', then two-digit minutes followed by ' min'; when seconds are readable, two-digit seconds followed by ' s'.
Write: 6 h 16 min
